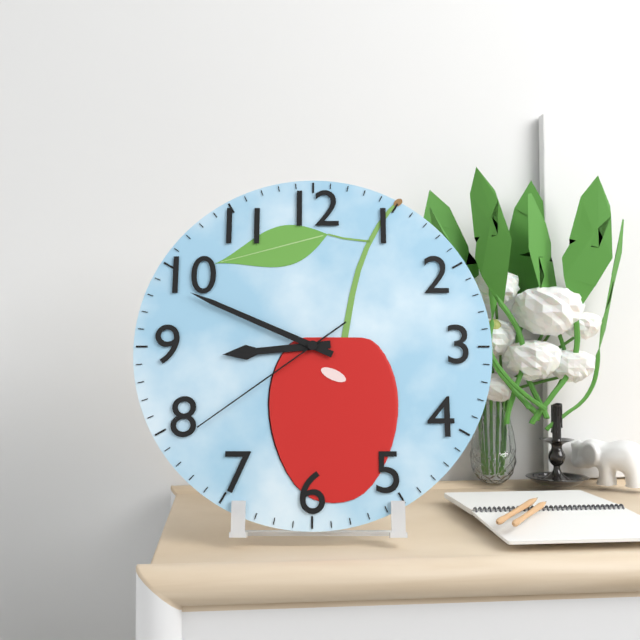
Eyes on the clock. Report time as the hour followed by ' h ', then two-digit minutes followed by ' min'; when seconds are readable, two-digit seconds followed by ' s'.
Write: 8 h 49 min 39 s
